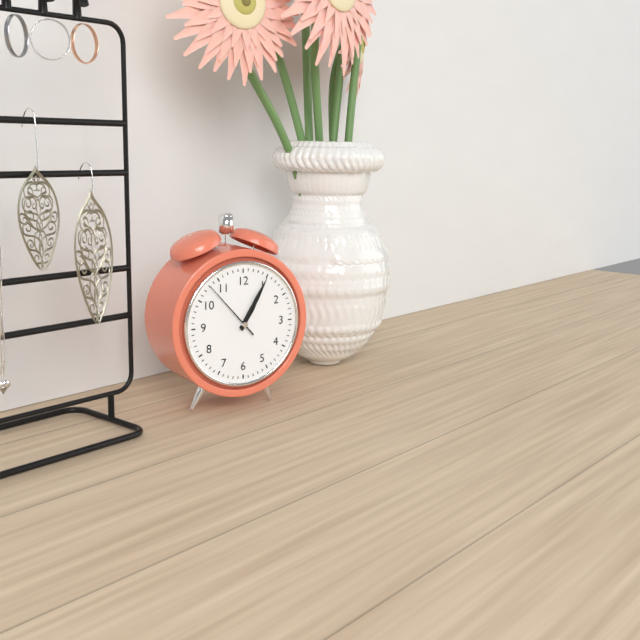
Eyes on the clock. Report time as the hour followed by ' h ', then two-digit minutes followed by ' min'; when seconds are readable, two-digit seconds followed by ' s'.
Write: 1 h 05 min 53 s
